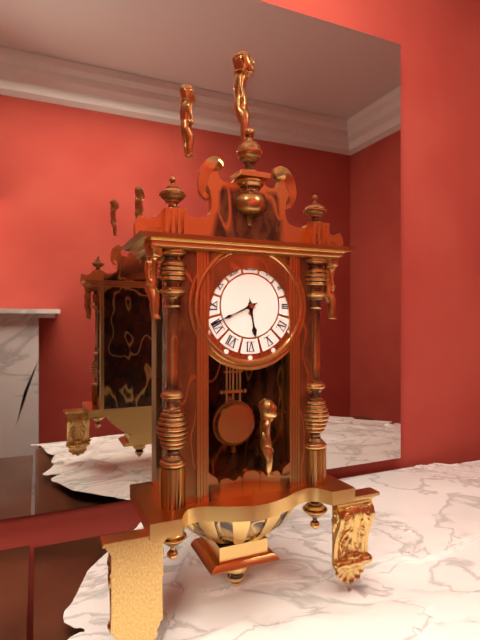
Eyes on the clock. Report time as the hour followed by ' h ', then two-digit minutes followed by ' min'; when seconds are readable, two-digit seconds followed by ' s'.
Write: 5 h 41 min
